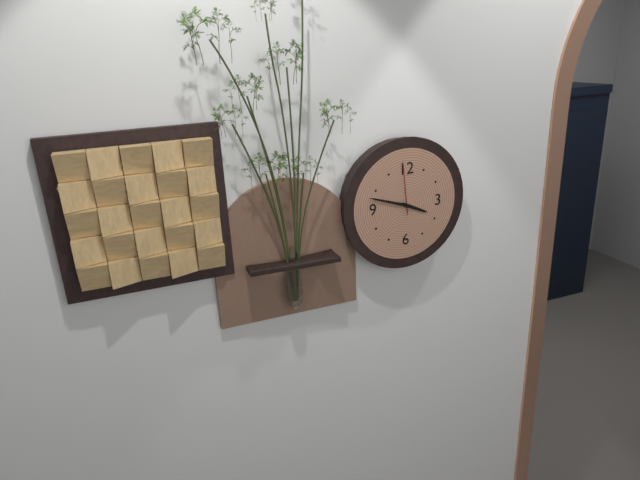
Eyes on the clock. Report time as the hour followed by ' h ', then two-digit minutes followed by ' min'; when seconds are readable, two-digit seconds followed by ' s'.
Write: 3 h 48 min 59 s
